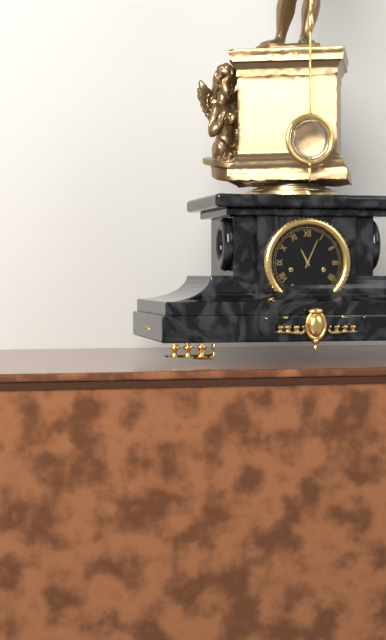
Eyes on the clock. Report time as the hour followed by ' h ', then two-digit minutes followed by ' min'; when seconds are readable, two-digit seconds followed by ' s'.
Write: 11 h 04 min
